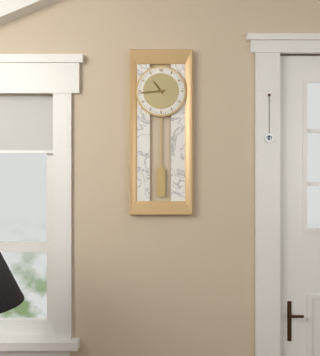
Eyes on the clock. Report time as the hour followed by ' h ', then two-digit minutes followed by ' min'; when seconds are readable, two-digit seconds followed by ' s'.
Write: 10 h 44 min
